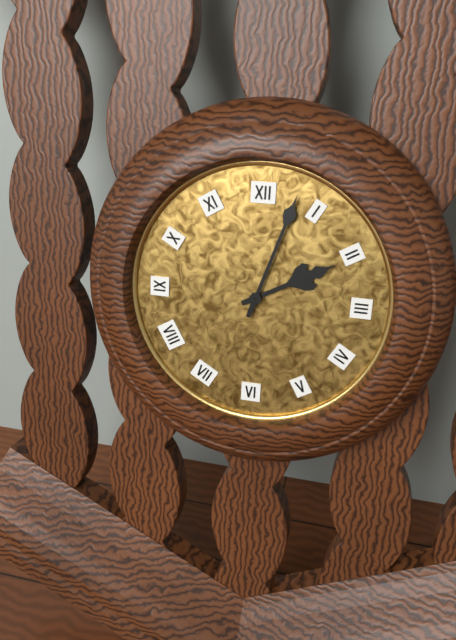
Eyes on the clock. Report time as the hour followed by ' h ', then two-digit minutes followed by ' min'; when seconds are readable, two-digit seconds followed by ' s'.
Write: 2 h 03 min
